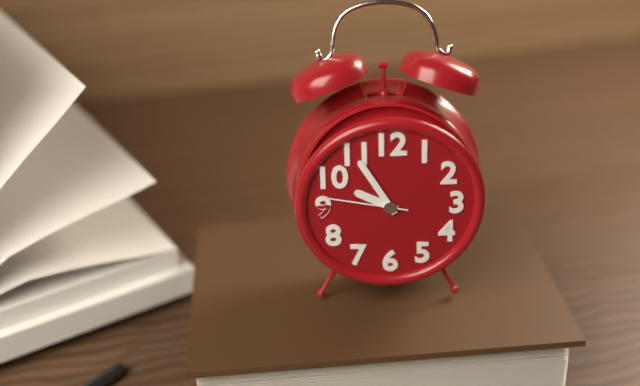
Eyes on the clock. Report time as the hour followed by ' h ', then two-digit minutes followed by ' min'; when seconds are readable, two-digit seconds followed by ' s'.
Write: 9 h 55 min 47 s
